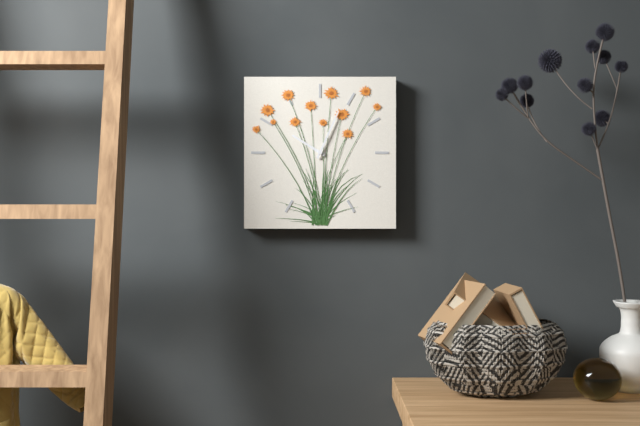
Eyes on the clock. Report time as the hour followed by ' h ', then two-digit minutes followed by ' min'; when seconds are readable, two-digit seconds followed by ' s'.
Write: 10 h 04 min
